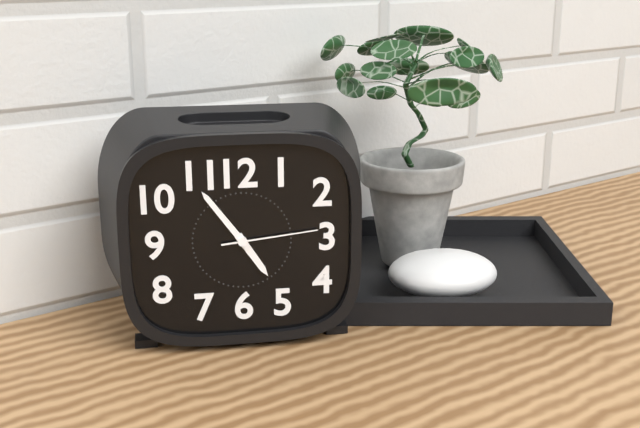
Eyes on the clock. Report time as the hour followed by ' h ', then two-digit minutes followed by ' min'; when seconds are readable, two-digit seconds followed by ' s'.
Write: 4 h 54 min 14 s
